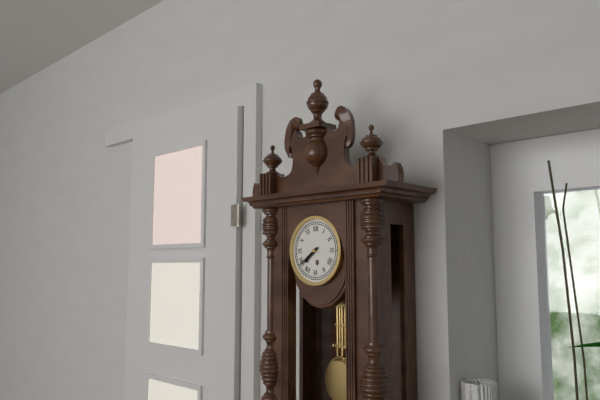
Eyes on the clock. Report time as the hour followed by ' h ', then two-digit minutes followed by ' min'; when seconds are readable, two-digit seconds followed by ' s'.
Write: 7 h 39 min
